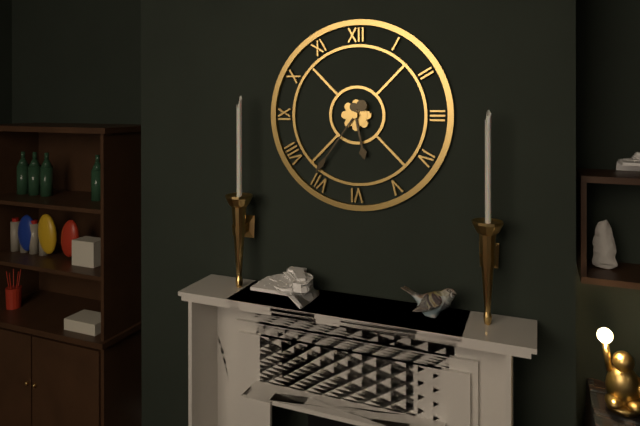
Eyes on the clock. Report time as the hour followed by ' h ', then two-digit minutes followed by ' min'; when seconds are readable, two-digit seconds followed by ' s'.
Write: 5 h 36 min
